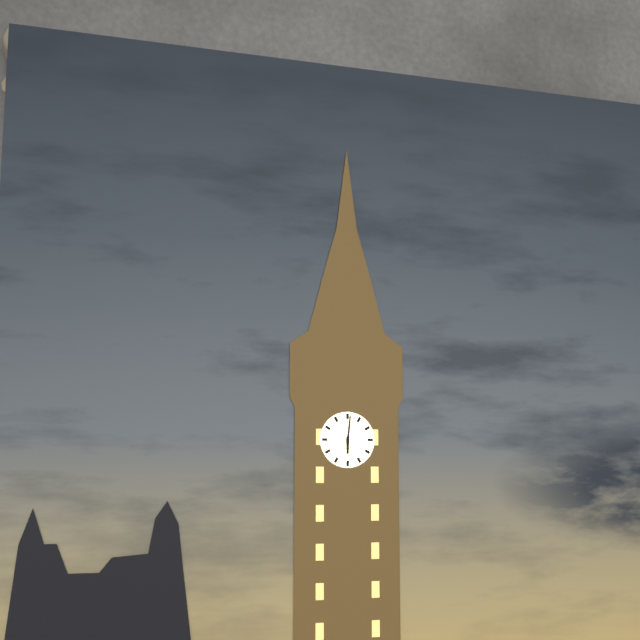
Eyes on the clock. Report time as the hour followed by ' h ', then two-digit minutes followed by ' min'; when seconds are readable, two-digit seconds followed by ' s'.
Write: 6 h 01 min
